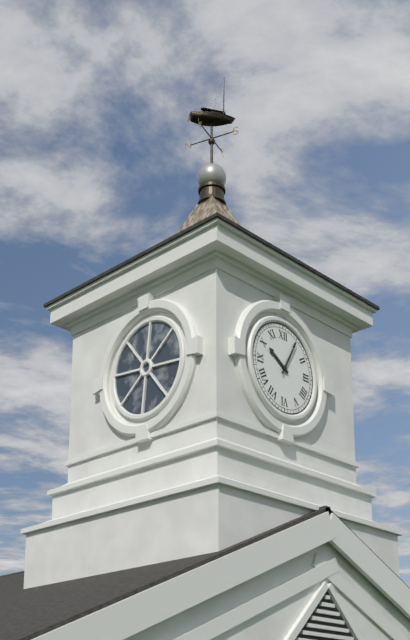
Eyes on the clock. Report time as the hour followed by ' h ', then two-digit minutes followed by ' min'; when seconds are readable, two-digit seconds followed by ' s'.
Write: 10 h 05 min
